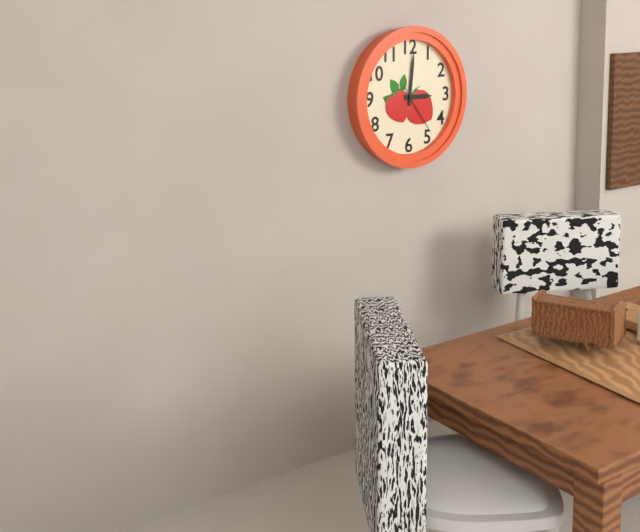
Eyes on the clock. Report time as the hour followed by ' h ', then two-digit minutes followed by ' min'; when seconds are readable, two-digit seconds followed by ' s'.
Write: 3 h 01 min 24 s
